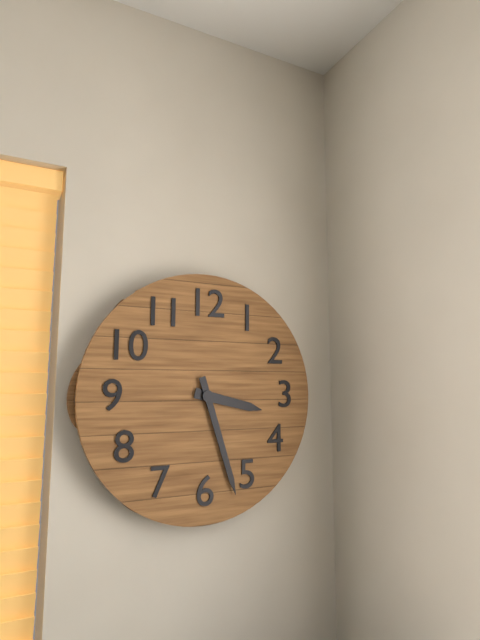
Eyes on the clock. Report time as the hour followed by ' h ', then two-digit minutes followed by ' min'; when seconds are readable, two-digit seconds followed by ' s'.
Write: 3 h 27 min
